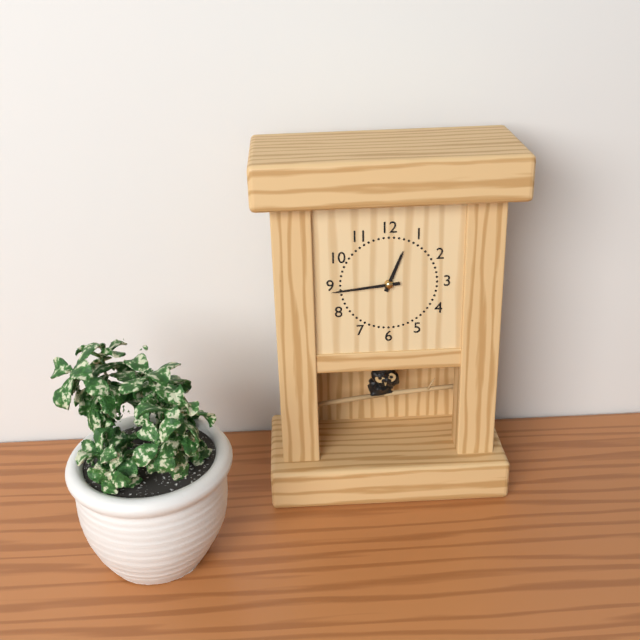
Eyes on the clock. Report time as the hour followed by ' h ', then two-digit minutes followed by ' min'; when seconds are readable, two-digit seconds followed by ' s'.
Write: 12 h 44 min
